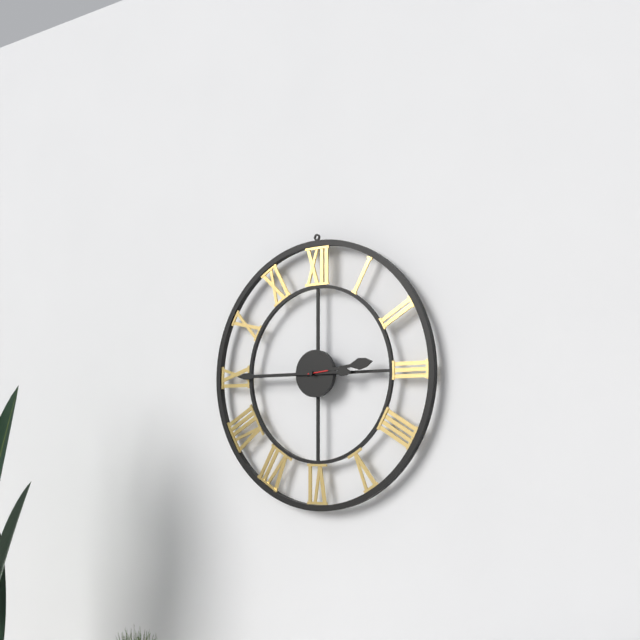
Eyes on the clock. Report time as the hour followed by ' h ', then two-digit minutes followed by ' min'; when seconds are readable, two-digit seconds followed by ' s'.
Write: 2 h 45 min
